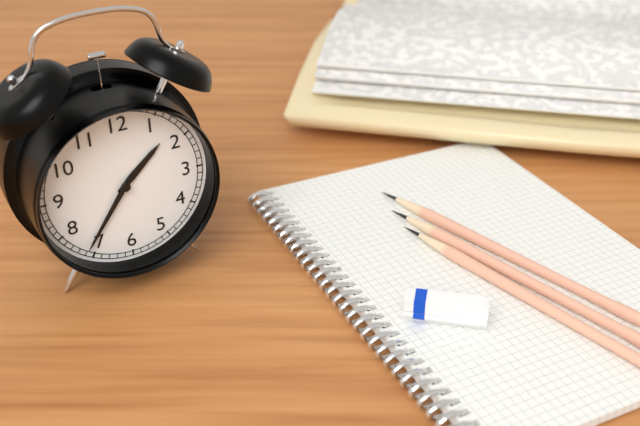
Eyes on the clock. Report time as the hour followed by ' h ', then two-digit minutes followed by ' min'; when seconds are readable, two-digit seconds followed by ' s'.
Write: 1 h 36 min
